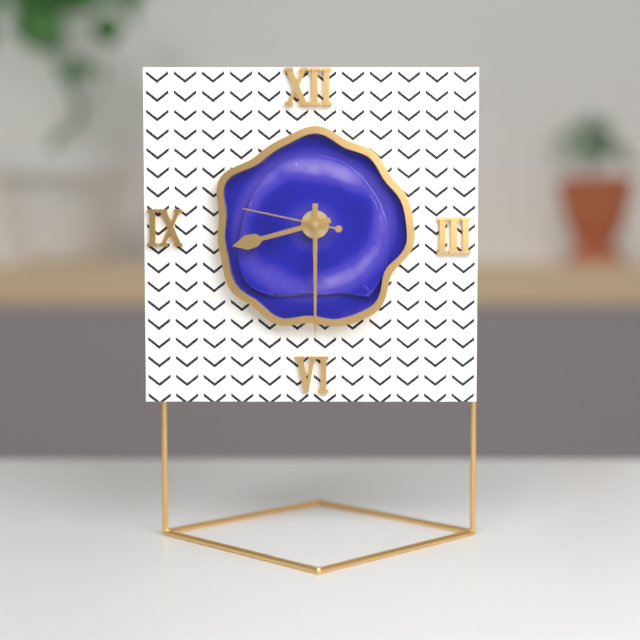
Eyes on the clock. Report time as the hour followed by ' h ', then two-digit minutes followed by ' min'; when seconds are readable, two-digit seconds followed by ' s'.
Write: 8 h 30 min 47 s
